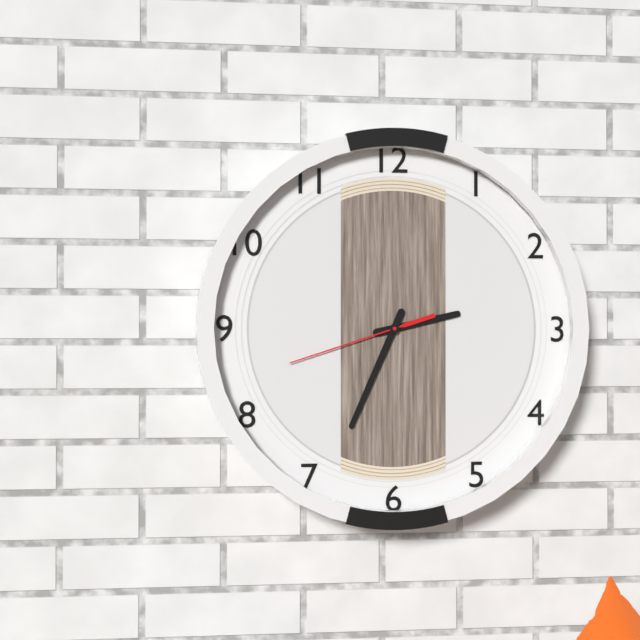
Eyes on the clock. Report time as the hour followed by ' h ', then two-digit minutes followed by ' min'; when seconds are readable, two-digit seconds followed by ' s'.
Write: 2 h 34 min 42 s
